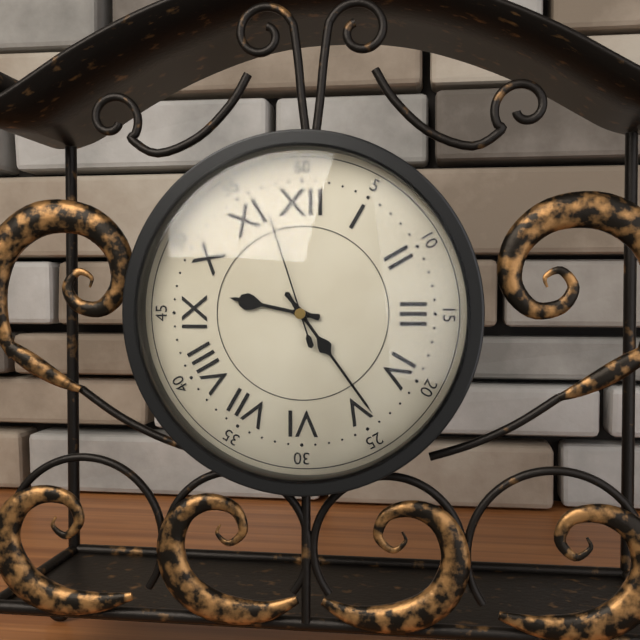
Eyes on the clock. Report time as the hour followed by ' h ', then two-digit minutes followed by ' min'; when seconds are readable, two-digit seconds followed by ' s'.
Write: 9 h 24 min 57 s
